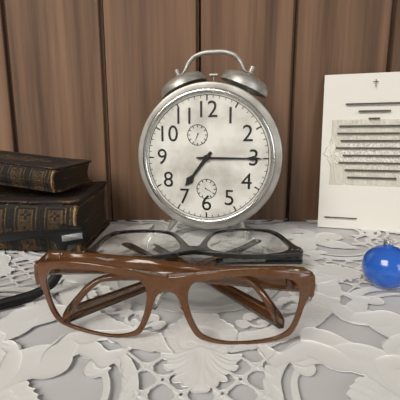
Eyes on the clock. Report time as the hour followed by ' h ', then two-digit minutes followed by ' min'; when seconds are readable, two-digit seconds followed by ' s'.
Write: 7 h 15 min
